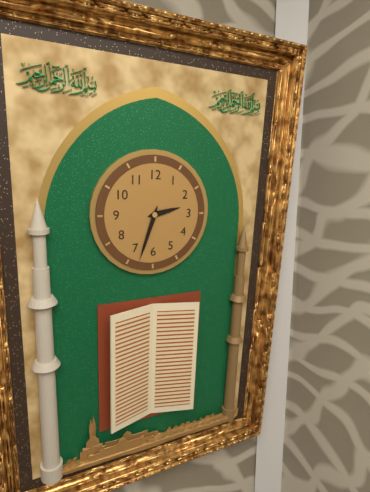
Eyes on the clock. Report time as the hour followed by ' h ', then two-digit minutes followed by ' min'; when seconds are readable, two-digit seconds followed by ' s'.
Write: 2 h 33 min
